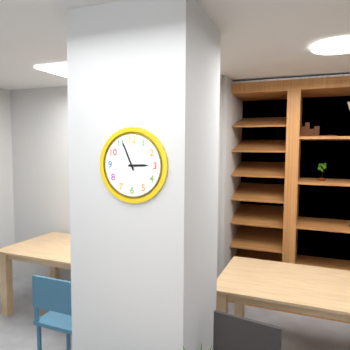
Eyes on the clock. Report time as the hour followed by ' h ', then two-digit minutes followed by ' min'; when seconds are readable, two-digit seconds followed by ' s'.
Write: 2 h 56 min
